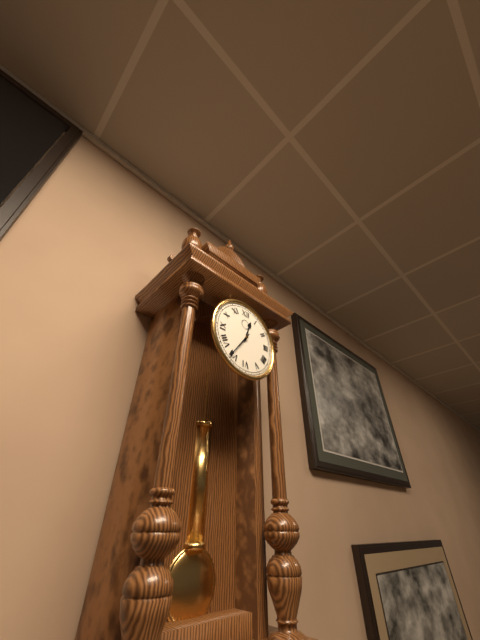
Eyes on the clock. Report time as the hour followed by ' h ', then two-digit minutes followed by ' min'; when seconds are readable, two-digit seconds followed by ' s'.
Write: 12 h 36 min
